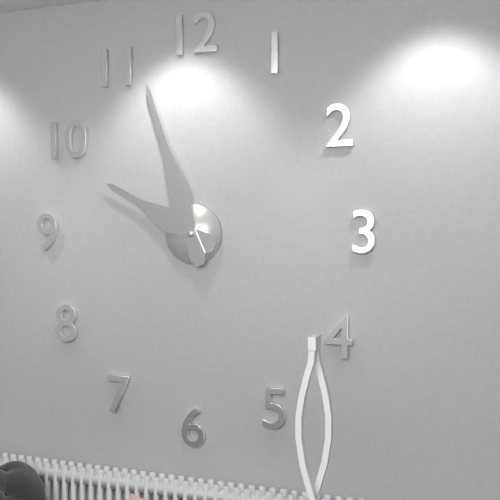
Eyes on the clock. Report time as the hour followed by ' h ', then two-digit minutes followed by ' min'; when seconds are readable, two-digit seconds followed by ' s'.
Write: 9 h 57 min
